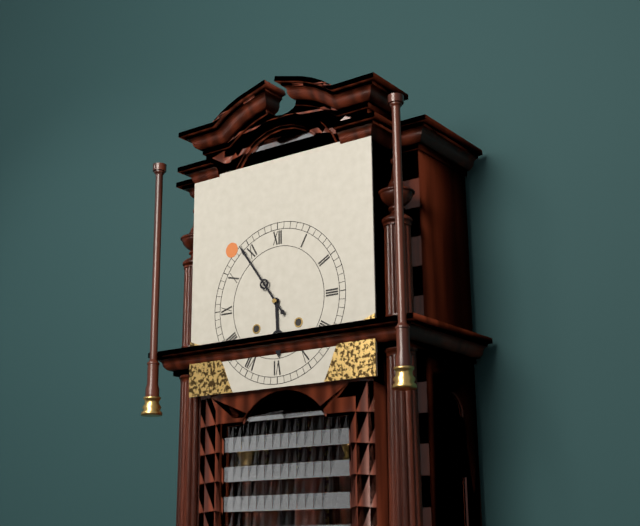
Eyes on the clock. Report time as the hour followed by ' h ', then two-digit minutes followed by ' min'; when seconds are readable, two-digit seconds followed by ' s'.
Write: 5 h 54 min
